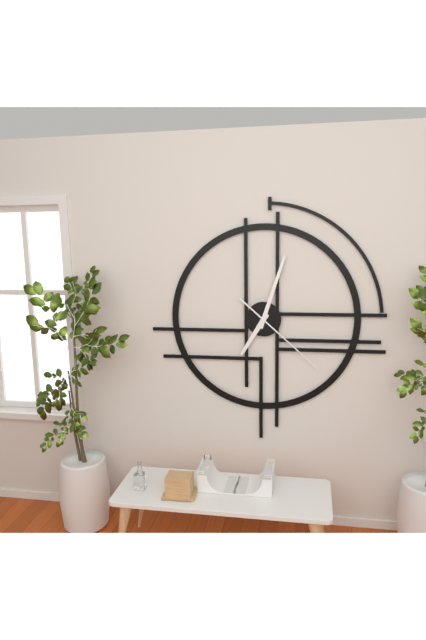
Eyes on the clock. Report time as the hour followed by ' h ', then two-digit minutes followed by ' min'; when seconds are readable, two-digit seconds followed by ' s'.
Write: 7 h 03 min 22 s
